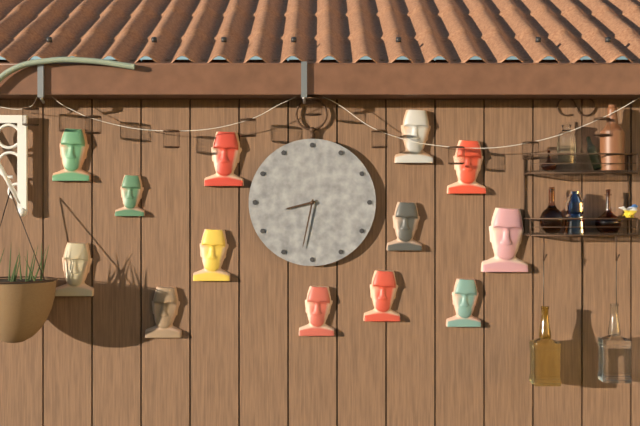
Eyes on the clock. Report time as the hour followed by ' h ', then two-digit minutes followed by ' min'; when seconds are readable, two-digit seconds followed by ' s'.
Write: 8 h 32 min
